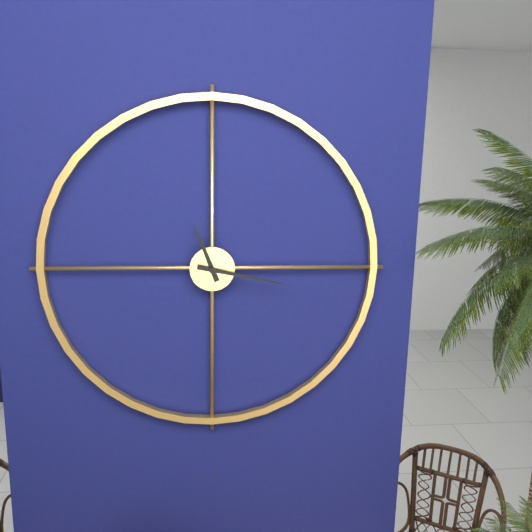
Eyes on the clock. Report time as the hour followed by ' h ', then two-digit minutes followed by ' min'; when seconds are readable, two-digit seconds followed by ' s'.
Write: 11 h 17 min
